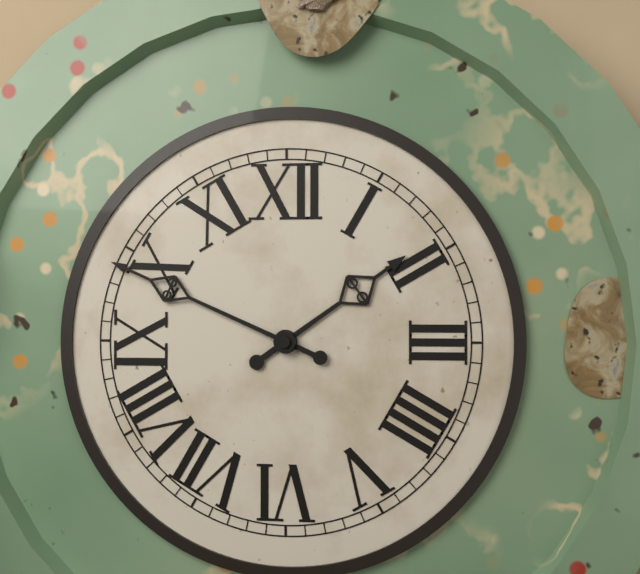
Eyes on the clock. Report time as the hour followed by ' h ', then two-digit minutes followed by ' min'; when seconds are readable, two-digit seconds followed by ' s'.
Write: 1 h 49 min
